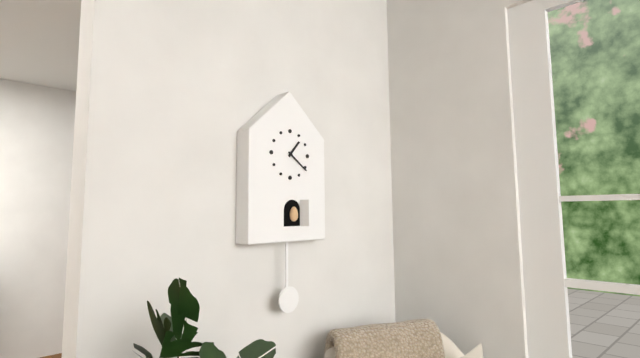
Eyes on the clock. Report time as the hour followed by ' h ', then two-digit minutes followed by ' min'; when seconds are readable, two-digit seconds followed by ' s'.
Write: 1 h 21 min
